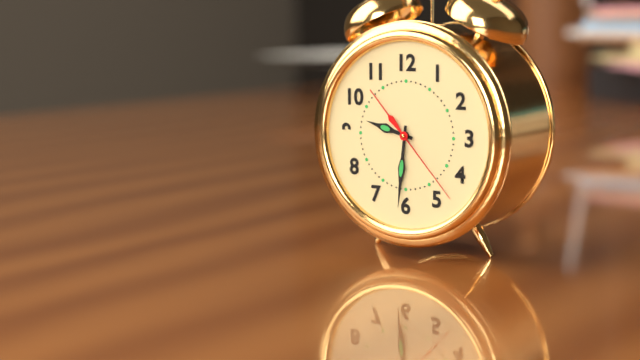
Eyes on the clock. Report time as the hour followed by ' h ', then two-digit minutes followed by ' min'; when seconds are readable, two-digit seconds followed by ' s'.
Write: 9 h 31 min 23 s
